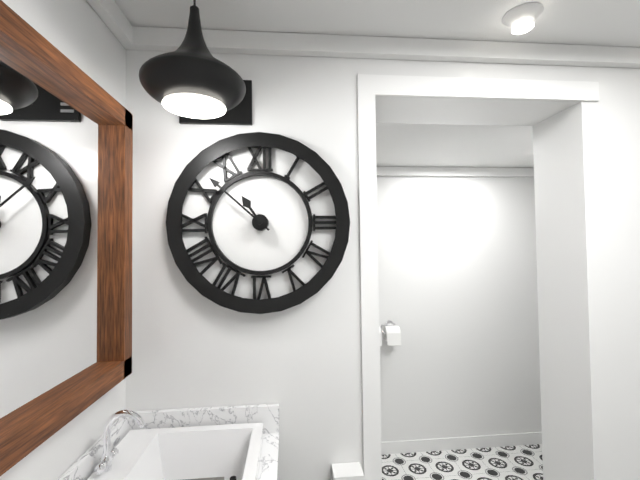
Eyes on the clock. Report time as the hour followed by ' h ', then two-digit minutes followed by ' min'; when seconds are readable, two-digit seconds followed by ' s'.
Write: 10 h 52 min
